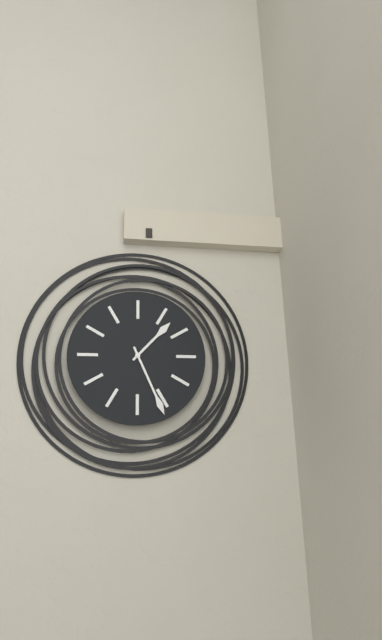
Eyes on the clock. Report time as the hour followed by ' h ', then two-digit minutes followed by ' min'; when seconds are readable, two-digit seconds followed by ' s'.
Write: 1 h 26 min
